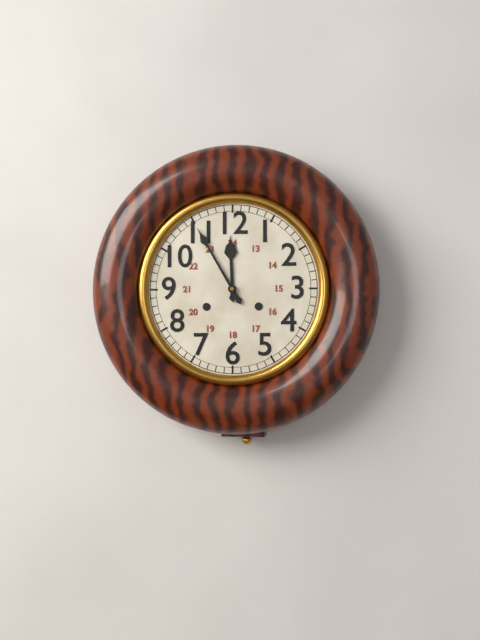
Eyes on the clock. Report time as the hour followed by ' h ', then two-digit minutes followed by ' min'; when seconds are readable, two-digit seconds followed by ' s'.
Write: 11 h 55 min
